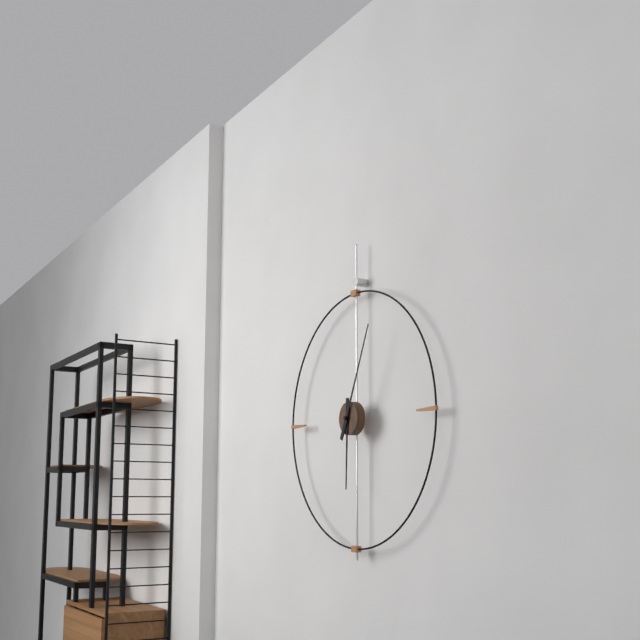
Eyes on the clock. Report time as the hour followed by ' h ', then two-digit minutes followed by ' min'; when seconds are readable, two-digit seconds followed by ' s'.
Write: 6 h 04 min
